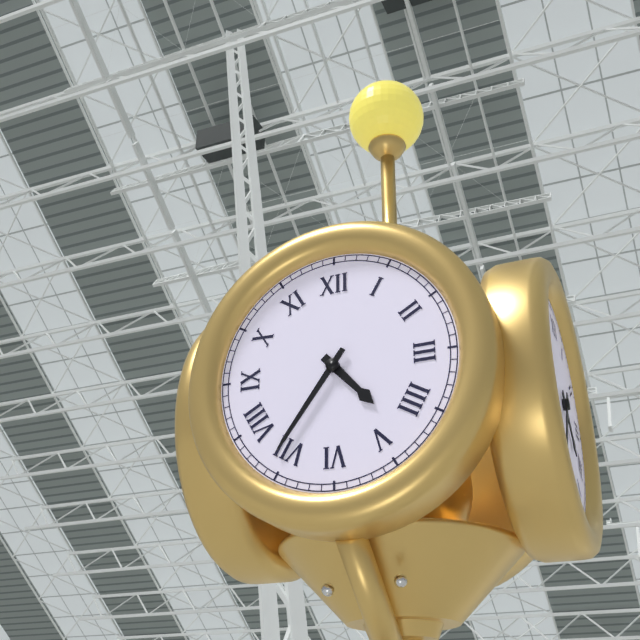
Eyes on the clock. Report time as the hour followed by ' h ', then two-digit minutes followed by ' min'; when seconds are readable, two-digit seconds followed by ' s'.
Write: 4 h 36 min
